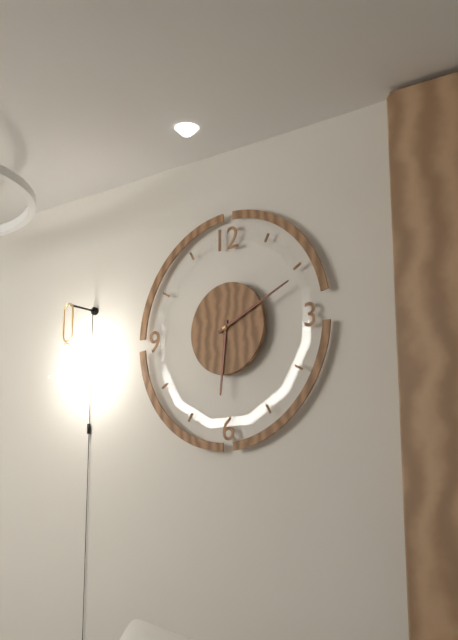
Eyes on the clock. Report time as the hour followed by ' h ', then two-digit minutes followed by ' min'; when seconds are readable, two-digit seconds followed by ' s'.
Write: 6 h 11 min
